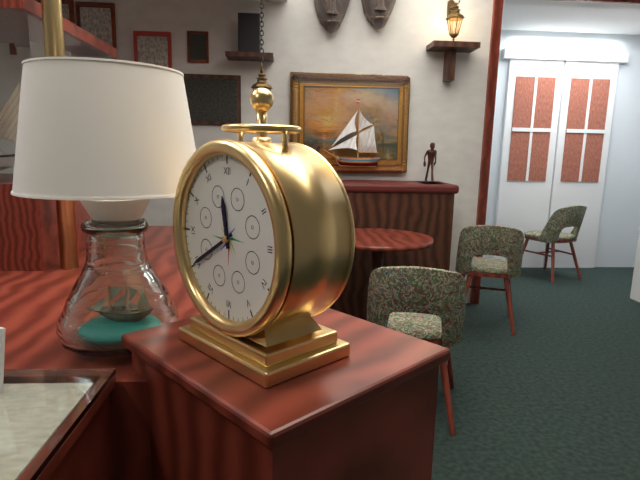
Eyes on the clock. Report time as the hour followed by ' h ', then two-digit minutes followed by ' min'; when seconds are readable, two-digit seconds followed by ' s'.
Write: 11 h 40 min
